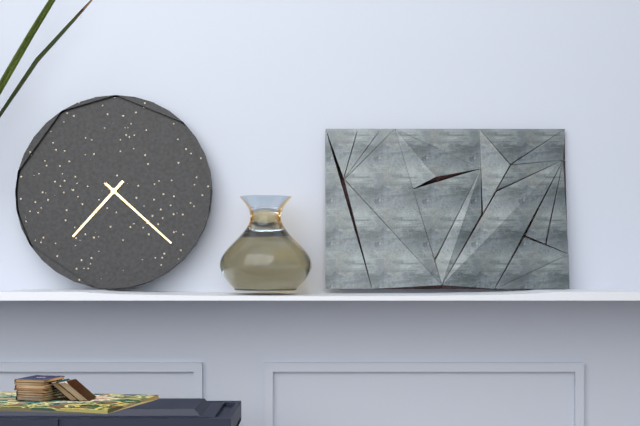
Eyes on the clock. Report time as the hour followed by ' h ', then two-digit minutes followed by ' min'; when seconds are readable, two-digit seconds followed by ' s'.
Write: 7 h 22 min
